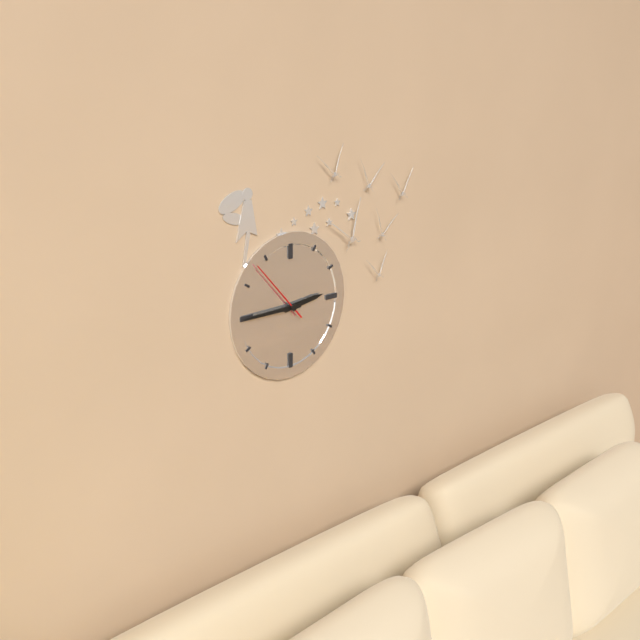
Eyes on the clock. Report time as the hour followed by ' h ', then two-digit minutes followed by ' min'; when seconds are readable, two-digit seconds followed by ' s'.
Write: 2 h 45 min 53 s
